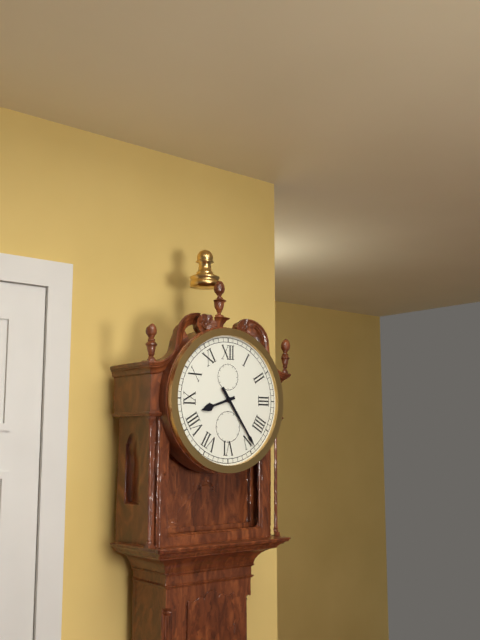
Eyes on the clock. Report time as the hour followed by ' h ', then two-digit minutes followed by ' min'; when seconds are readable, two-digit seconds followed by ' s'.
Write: 8 h 24 min
